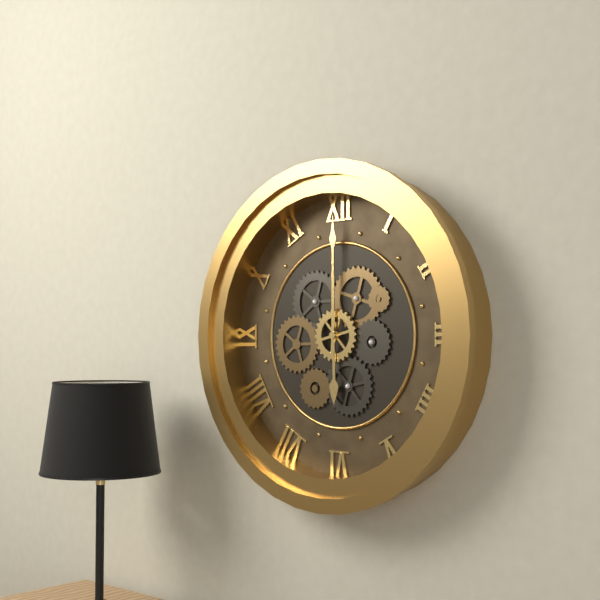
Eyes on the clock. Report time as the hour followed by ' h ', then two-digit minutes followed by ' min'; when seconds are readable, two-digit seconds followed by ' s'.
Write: 6 h 00 min
